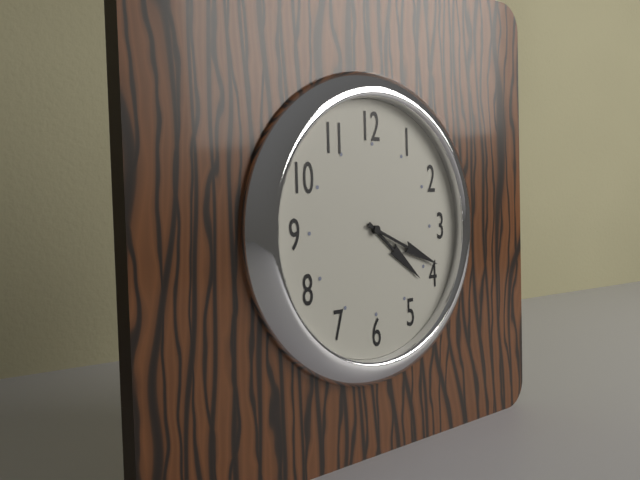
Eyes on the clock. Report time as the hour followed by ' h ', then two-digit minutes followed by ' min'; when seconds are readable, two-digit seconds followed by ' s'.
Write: 4 h 19 min
